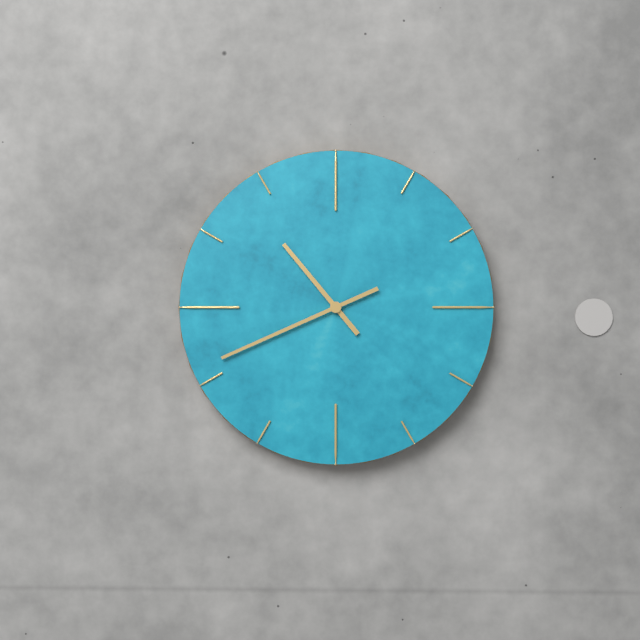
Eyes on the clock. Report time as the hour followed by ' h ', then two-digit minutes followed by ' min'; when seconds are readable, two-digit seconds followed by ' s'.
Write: 10 h 41 min
